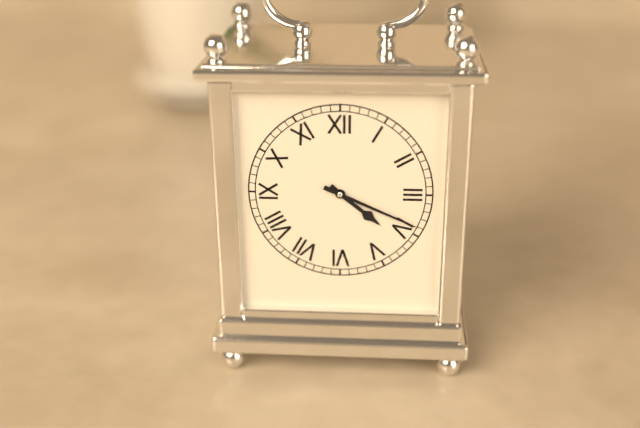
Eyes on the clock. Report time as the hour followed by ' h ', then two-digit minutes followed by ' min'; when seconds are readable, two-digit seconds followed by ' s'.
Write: 4 h 19 min
